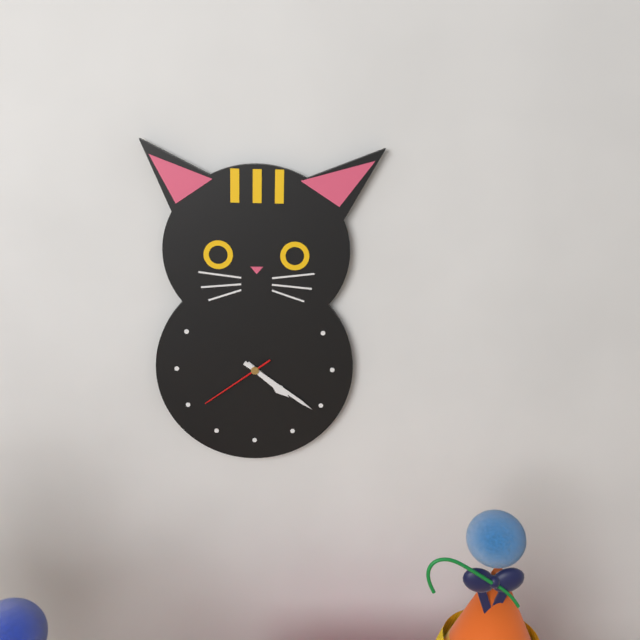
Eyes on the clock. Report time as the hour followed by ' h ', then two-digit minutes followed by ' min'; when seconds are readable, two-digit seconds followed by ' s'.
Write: 4 h 21 min 39 s
